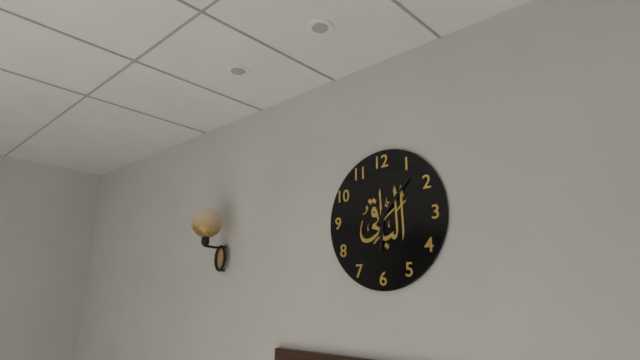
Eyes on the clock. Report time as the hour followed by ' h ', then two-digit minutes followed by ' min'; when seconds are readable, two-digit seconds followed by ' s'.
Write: 6 h 07 min
